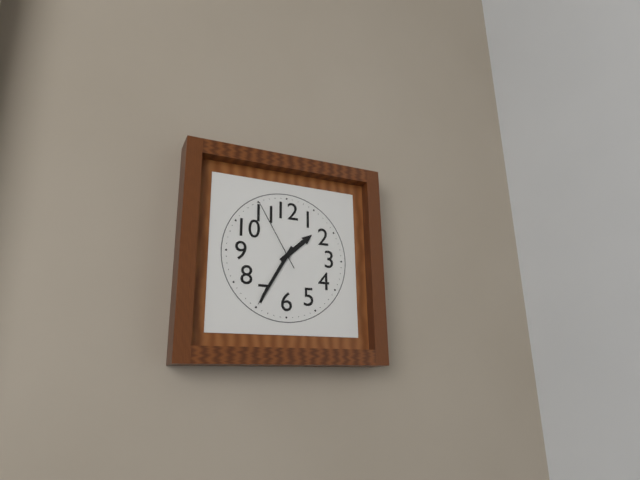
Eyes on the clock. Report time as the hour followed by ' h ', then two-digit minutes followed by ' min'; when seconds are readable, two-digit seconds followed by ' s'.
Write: 1 h 35 min 55 s
